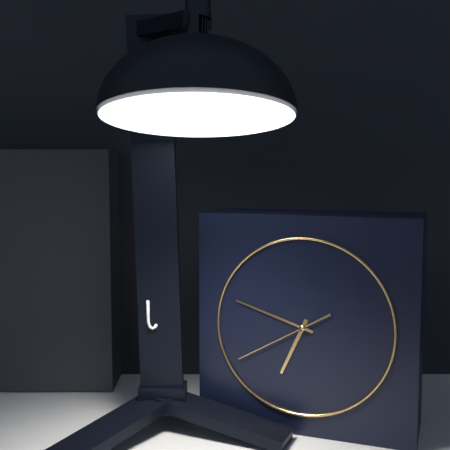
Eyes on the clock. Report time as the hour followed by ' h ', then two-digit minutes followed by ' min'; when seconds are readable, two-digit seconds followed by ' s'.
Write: 6 h 48 min 40 s
